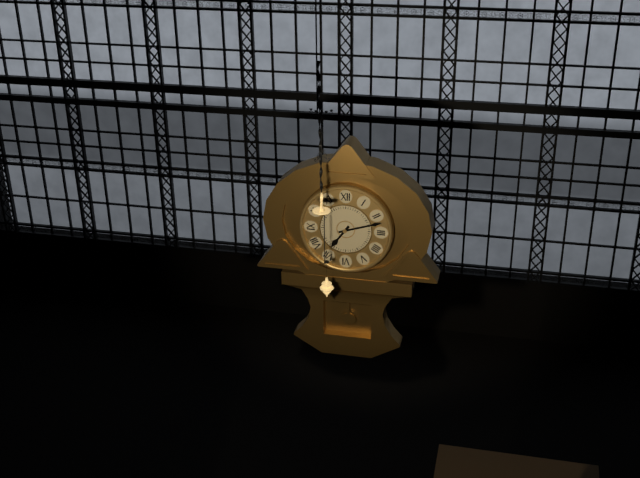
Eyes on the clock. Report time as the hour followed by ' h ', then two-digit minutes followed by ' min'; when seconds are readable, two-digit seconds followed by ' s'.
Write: 7 h 12 min
